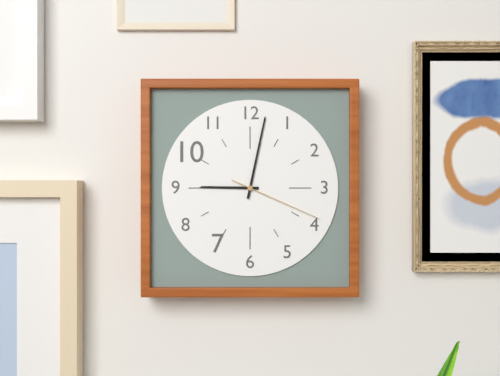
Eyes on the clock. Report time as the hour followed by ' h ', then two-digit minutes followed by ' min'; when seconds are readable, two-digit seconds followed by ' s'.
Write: 9 h 02 min 19 s
